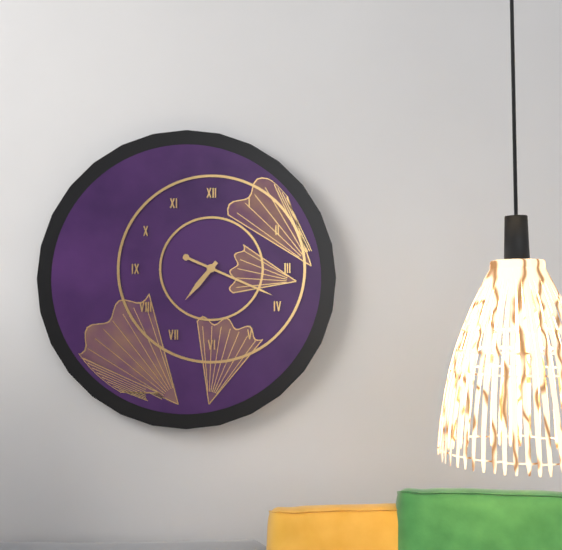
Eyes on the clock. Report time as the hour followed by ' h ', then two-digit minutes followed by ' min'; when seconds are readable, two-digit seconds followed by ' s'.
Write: 7 h 19 min
